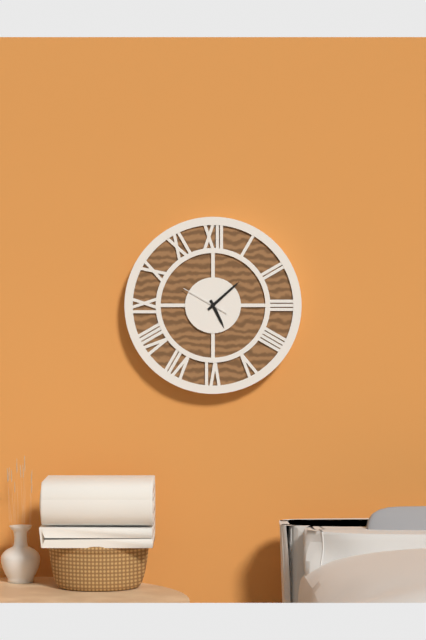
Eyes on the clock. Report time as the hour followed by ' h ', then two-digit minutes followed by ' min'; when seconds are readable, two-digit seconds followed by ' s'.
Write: 5 h 08 min
